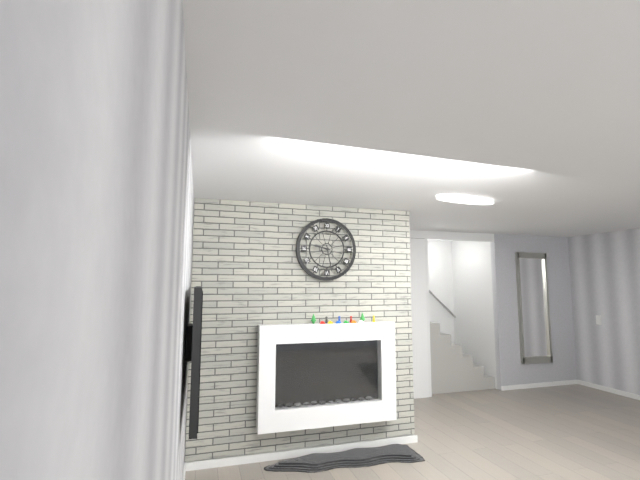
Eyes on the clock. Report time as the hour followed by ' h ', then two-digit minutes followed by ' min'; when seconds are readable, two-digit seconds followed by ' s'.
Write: 9 h 28 min
